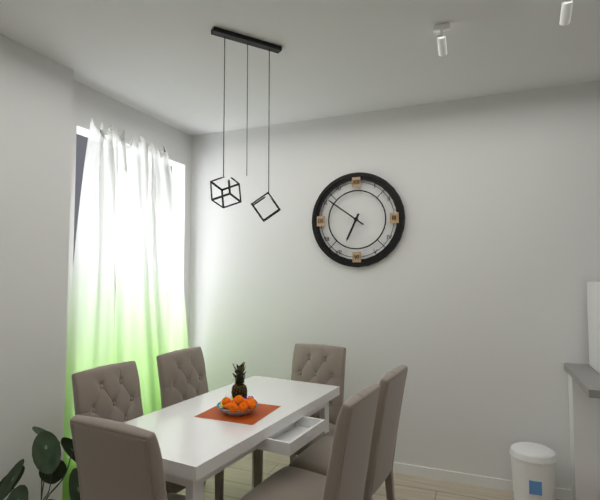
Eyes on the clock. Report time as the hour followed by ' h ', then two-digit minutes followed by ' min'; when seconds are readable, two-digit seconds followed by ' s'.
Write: 6 h 51 min
